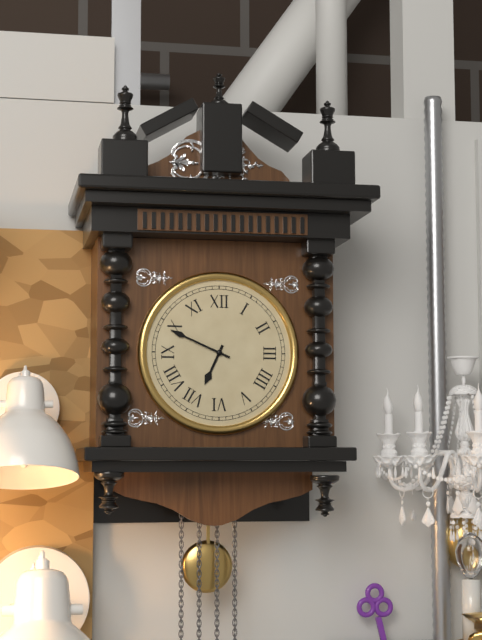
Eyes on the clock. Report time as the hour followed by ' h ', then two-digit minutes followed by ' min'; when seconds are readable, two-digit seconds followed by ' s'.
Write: 6 h 49 min
